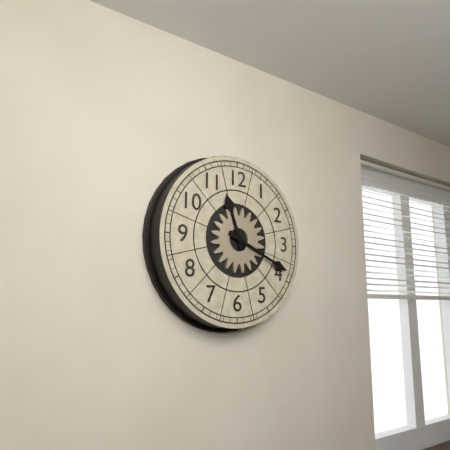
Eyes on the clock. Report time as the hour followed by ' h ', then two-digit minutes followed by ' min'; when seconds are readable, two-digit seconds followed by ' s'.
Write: 11 h 19 min
